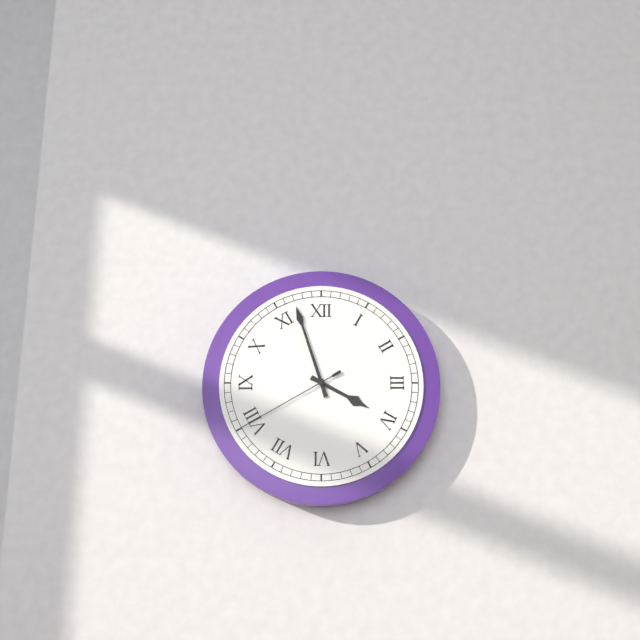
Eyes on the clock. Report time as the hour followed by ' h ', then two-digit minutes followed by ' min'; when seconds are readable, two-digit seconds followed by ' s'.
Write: 3 h 57 min 40 s
